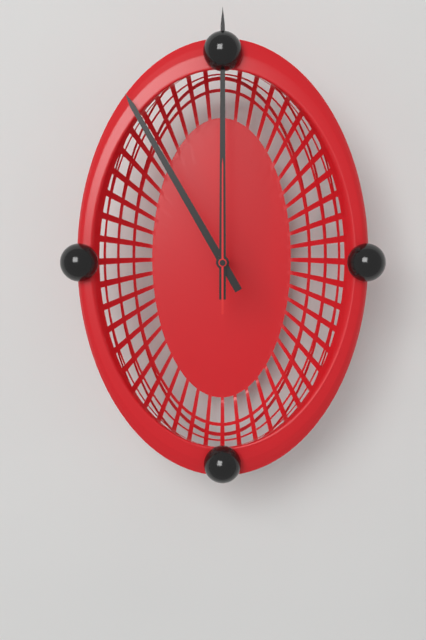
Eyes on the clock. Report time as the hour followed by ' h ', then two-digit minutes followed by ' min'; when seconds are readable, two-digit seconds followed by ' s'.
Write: 11 h 00 min 00 s
